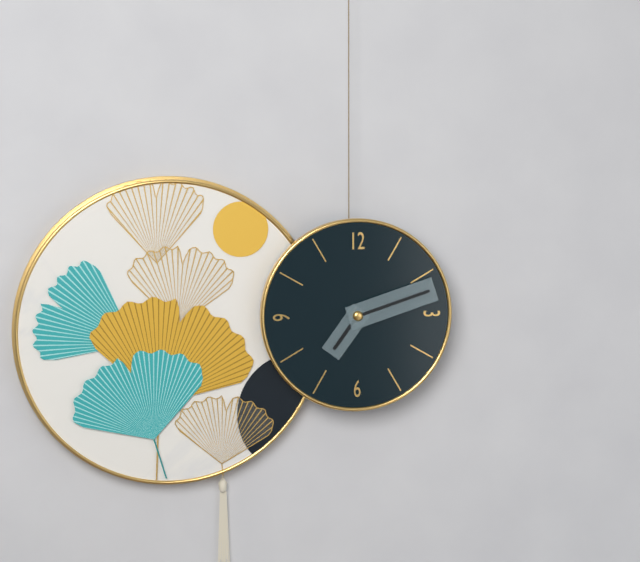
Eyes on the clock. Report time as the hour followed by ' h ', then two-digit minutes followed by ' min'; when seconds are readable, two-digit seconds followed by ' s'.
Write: 7 h 12 min
